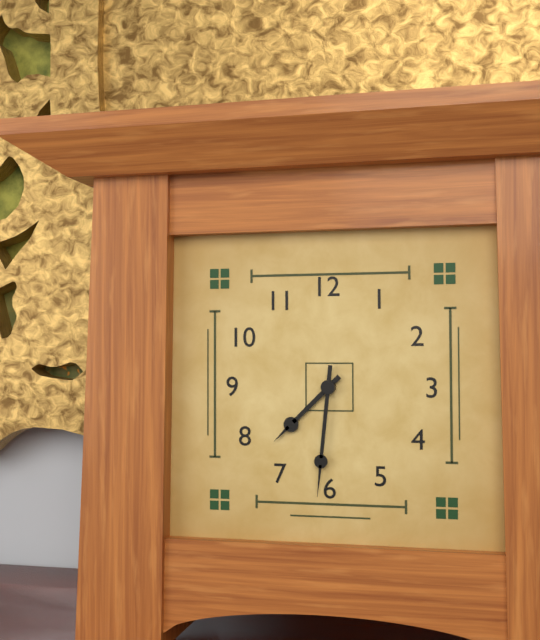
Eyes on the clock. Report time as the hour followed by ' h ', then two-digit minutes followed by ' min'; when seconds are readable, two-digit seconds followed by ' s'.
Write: 7 h 31 min
